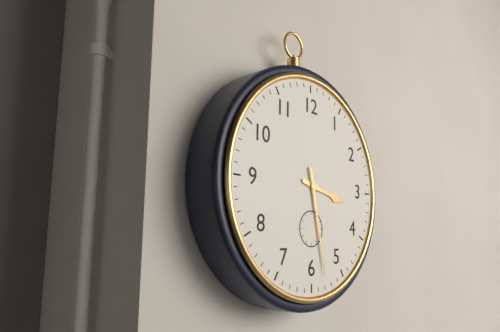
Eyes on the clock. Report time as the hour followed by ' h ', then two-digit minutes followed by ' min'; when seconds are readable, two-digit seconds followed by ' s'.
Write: 3 h 28 min
